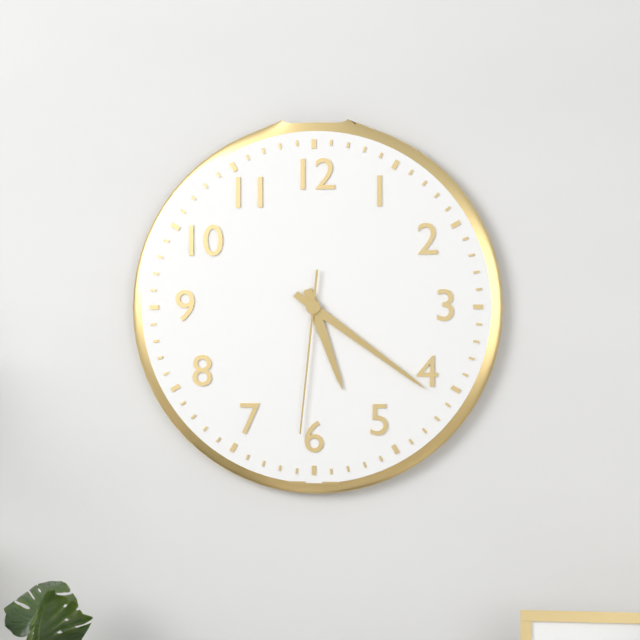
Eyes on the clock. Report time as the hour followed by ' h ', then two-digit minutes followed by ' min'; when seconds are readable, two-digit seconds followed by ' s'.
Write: 5 h 21 min 31 s
